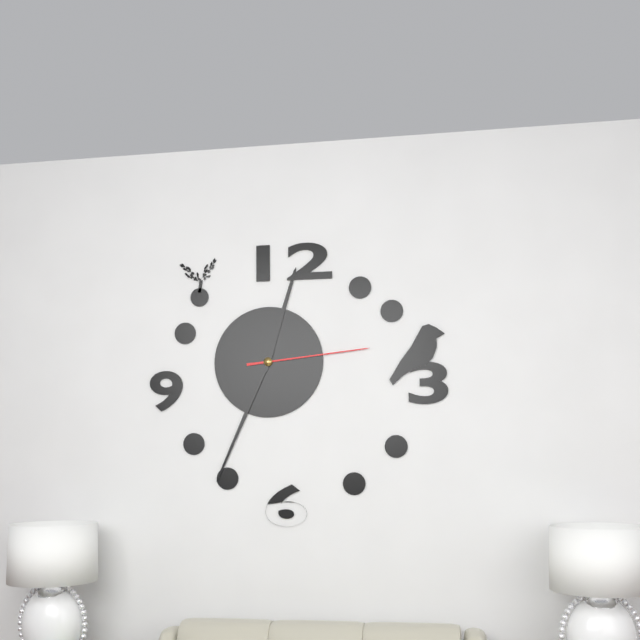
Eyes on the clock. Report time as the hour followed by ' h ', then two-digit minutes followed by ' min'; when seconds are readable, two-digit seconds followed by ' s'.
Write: 12 h 34 min 14 s
